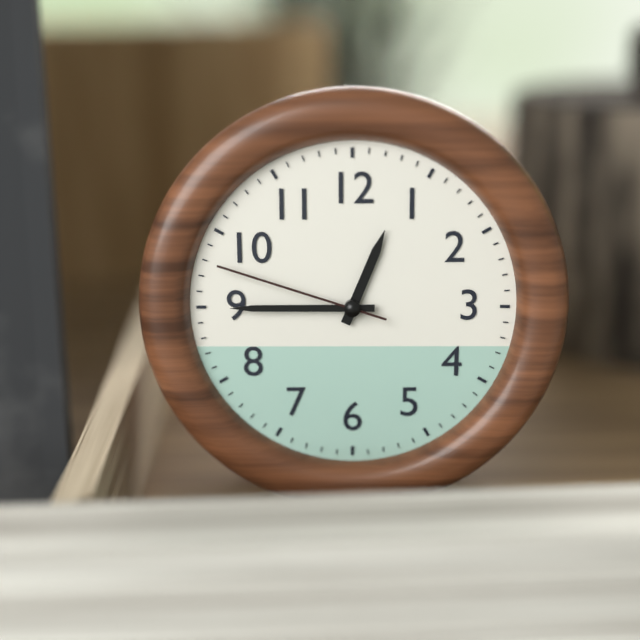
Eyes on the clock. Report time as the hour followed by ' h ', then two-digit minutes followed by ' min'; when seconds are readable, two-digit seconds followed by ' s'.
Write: 12 h 45 min 48 s
